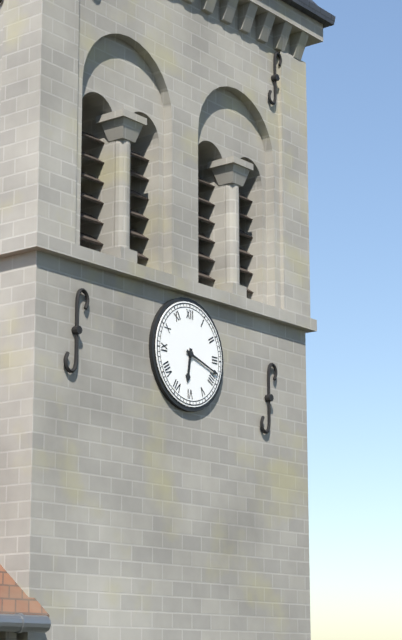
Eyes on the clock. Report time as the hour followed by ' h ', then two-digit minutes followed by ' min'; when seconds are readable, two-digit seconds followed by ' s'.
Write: 6 h 18 min
